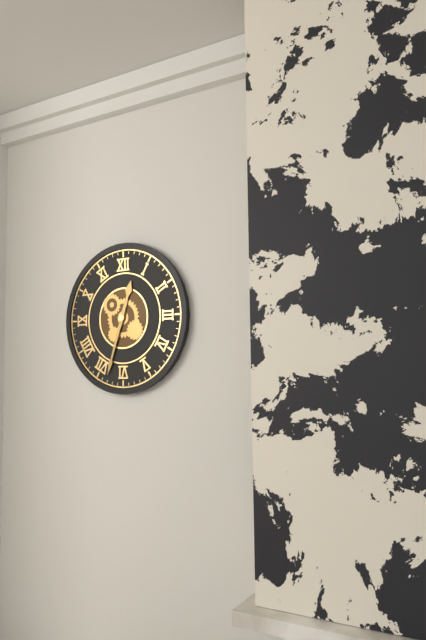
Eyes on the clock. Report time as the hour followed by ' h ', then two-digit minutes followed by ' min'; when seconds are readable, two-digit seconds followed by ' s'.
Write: 12 h 33 min
